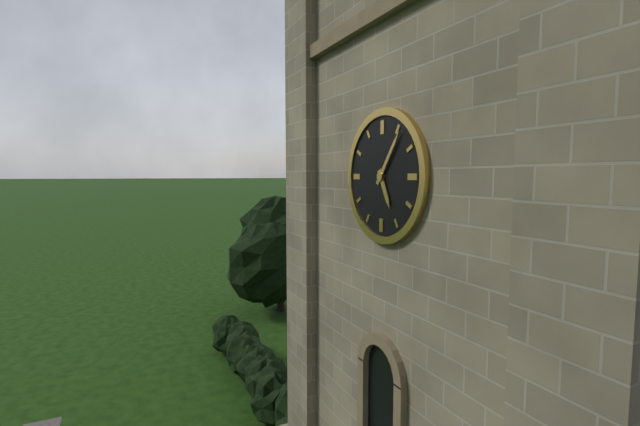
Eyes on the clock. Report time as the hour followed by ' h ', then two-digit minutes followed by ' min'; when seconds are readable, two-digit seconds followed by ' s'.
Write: 5 h 06 min
